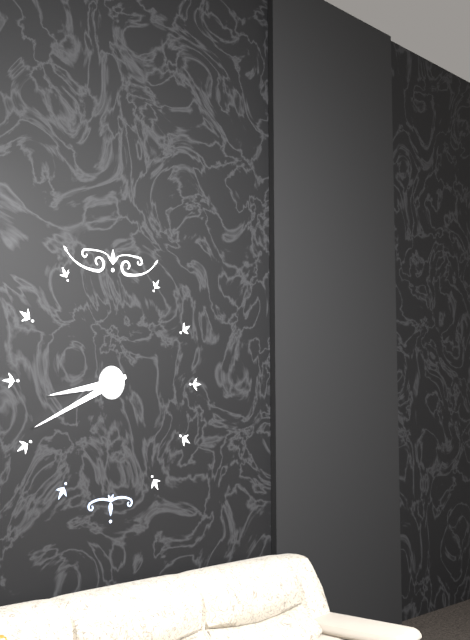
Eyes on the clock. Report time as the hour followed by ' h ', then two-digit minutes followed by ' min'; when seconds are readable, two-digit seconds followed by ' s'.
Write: 8 h 41 min
